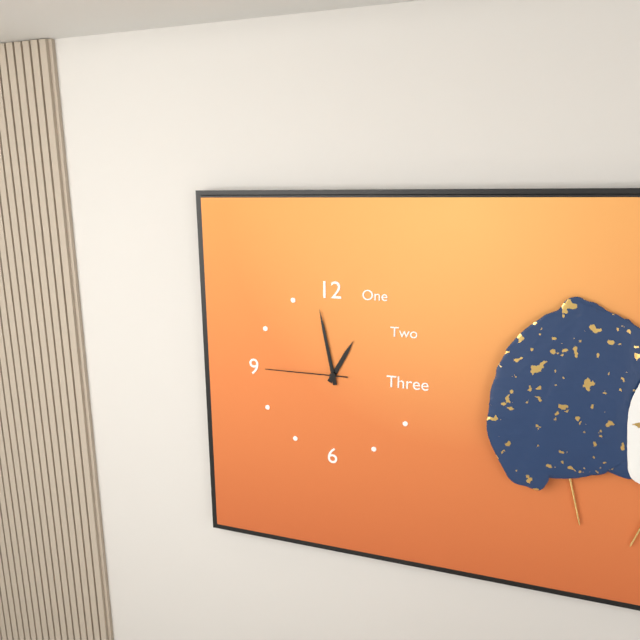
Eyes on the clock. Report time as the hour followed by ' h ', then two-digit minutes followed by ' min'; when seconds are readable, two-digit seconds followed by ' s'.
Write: 12 h 58 min 45 s
